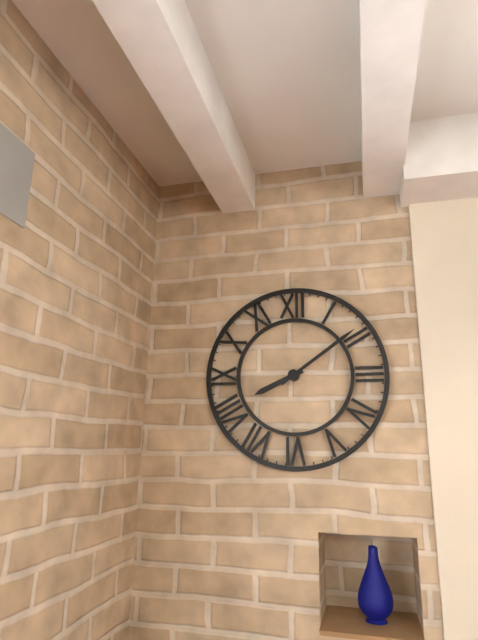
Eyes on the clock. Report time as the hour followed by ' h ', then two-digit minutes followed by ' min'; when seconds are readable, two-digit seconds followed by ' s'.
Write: 8 h 09 min
